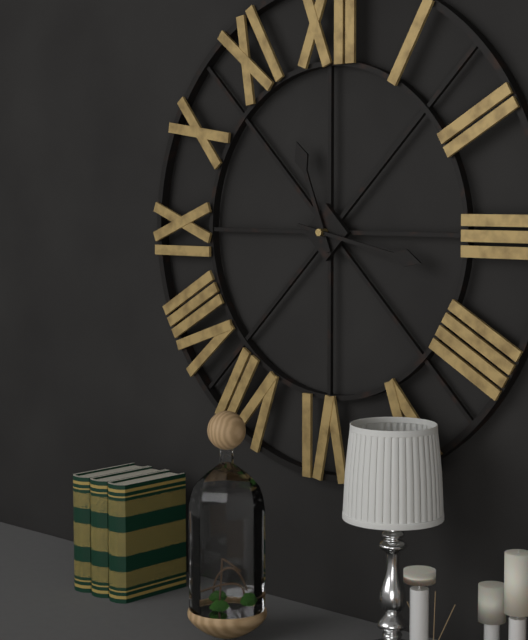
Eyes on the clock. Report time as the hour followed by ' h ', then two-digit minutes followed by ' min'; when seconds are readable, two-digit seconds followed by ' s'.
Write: 11 h 17 min
